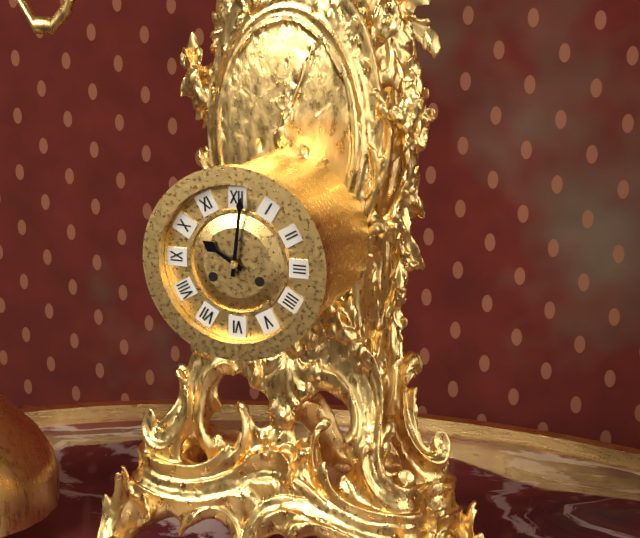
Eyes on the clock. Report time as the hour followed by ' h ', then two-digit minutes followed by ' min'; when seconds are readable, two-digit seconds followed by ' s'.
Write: 10 h 01 min
